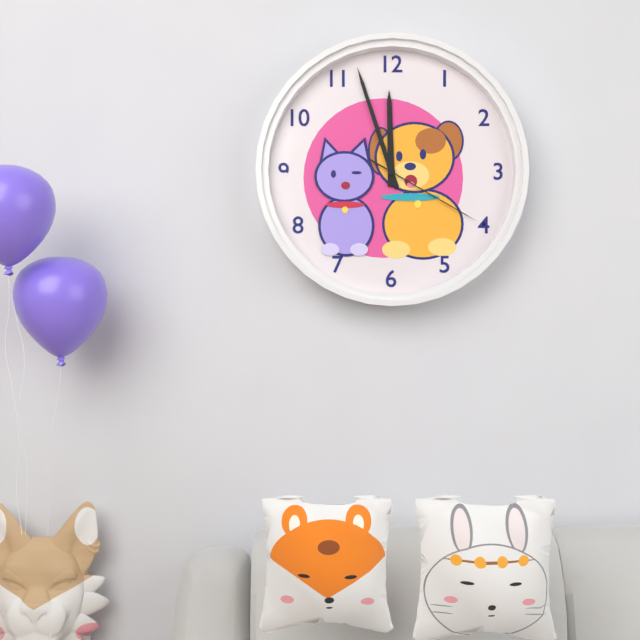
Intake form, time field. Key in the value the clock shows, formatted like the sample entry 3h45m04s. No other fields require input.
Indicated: 11h57m20s
